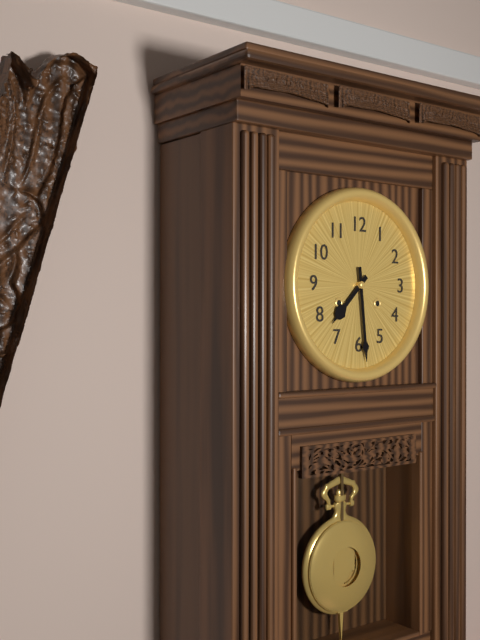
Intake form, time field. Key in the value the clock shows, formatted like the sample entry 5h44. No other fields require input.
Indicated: 7h29
